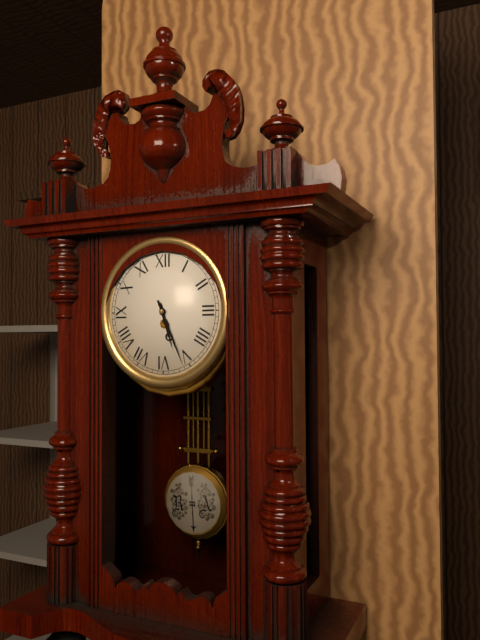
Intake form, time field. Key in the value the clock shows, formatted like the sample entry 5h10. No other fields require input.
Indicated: 5h26
